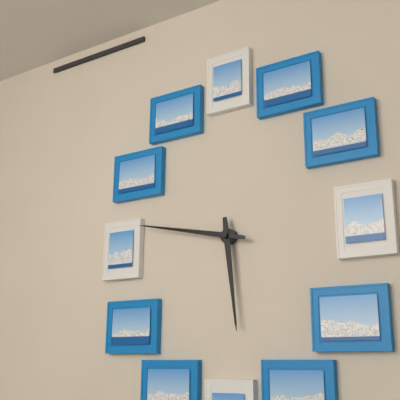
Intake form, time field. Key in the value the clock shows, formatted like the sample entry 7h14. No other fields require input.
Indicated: 5h47
